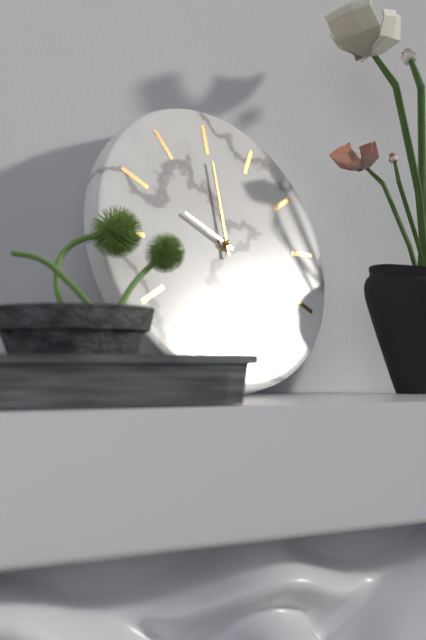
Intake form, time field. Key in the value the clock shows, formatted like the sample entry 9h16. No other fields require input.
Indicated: 10h00
